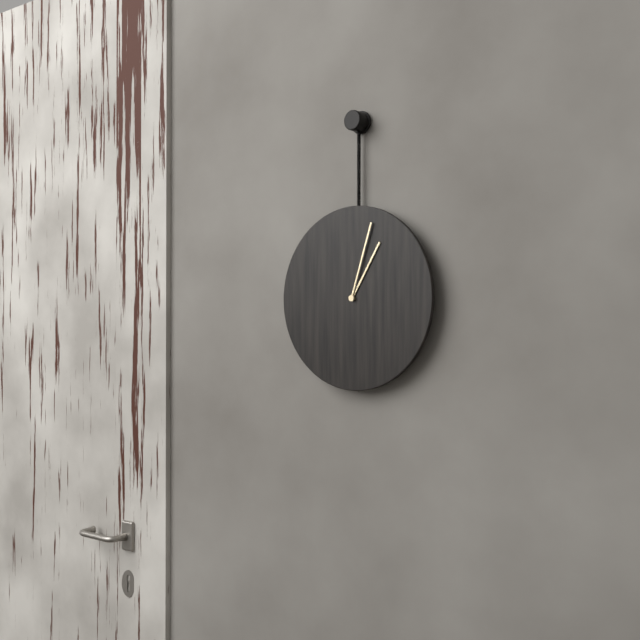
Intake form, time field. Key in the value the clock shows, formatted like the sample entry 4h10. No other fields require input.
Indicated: 1h03
